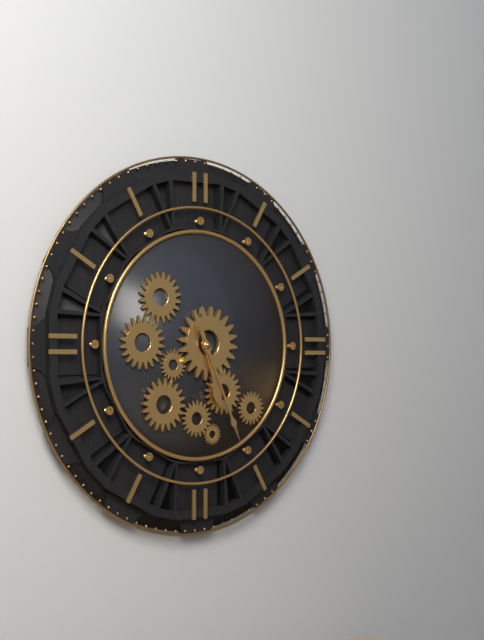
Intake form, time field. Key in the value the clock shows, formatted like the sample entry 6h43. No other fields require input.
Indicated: 5h26
